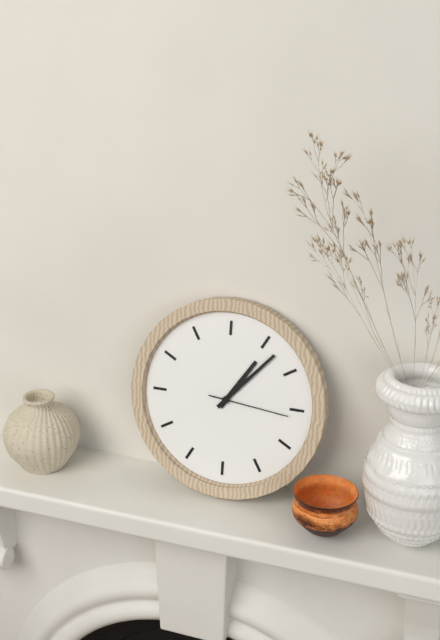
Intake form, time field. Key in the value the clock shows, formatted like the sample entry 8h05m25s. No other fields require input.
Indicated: 1h07m16s
